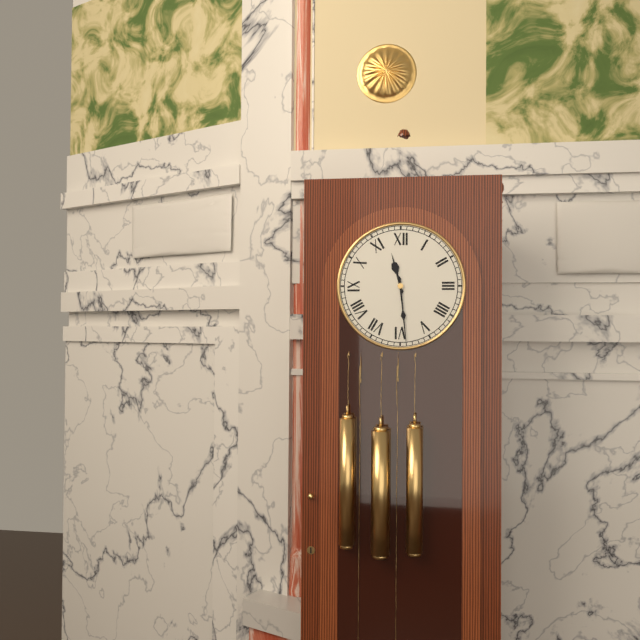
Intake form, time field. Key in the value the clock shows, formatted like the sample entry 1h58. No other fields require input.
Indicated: 11h29
